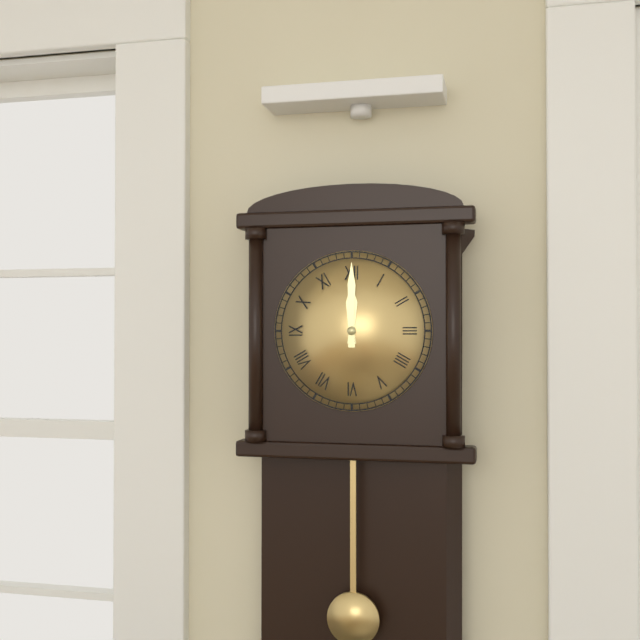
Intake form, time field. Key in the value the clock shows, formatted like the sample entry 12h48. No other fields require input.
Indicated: 12h00
